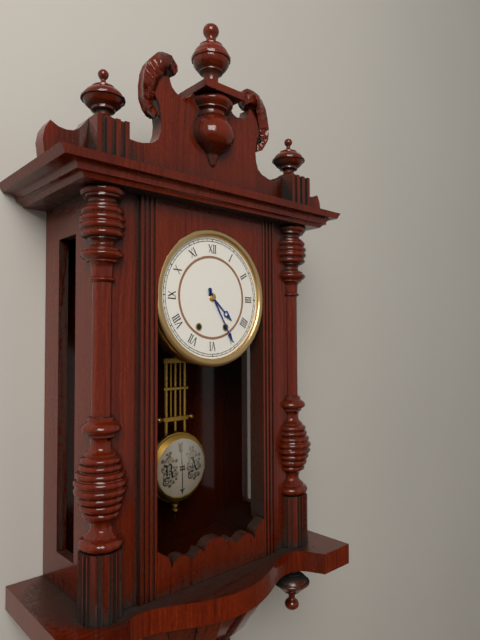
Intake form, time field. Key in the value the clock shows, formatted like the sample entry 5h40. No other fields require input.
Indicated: 4h25
